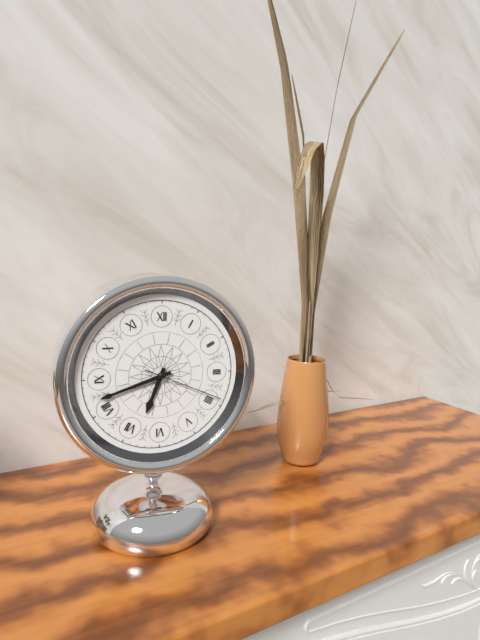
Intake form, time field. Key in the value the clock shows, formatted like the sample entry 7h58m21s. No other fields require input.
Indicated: 6h42m19s
